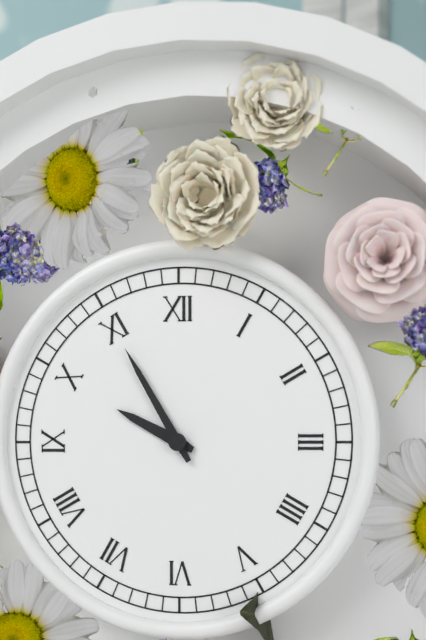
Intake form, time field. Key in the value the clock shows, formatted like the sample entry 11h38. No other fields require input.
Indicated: 9h55
